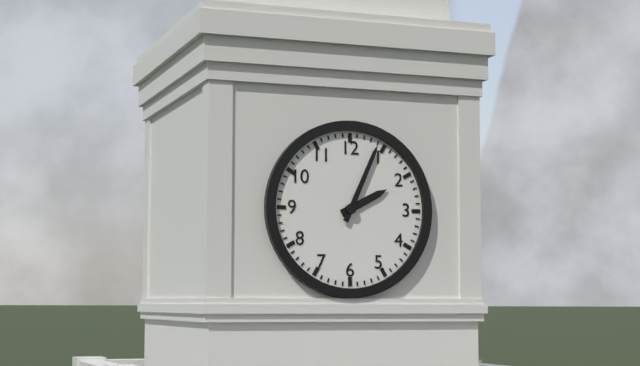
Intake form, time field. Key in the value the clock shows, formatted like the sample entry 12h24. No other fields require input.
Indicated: 2h04
